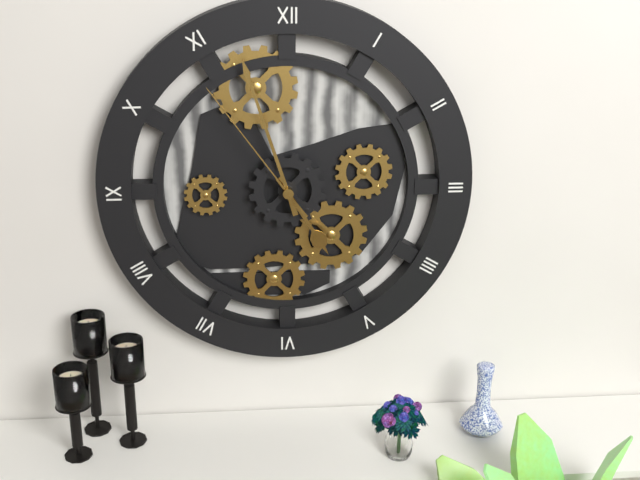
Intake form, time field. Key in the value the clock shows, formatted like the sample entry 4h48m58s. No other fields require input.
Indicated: 4h57m54s
